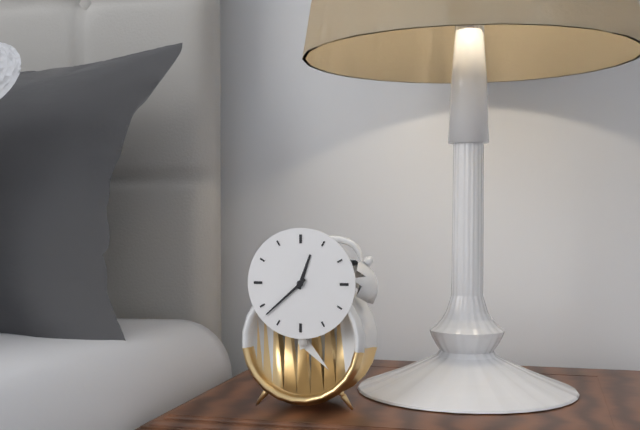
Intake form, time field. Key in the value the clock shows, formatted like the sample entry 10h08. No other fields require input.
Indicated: 12h38
